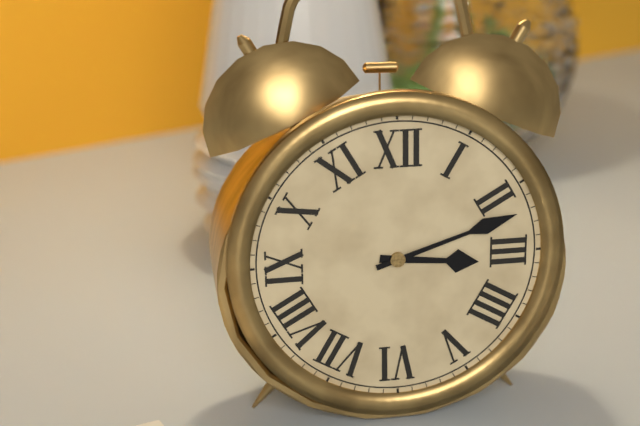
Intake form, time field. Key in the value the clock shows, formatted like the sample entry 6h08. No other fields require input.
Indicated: 3h12
